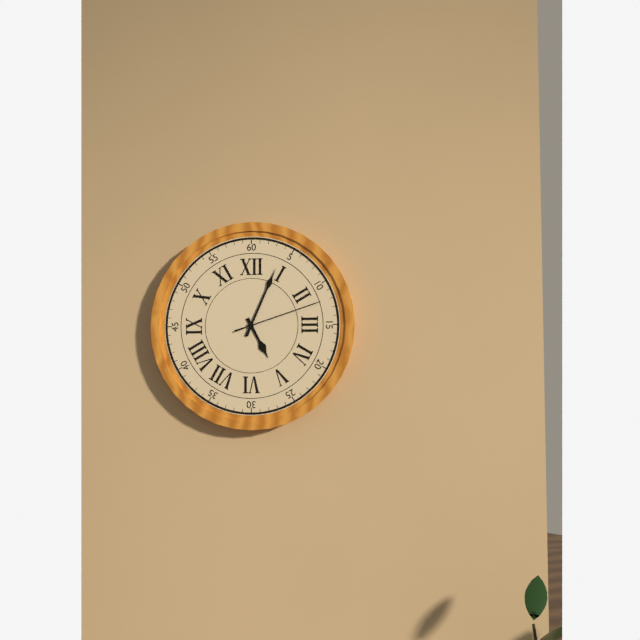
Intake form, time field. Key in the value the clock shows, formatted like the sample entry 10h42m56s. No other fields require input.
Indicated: 5h04m12s
